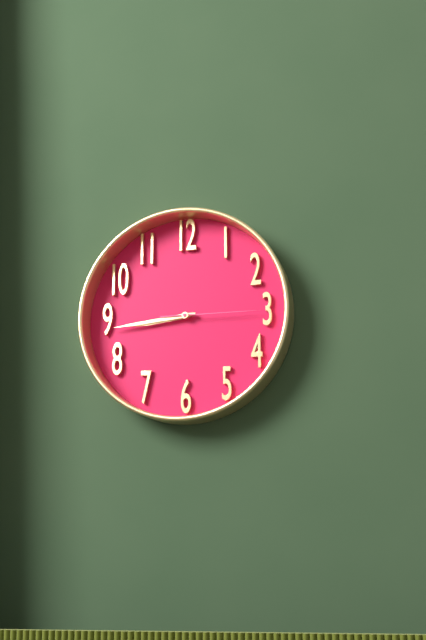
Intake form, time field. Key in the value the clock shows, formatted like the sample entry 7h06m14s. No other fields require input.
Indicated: 8h44m15s
